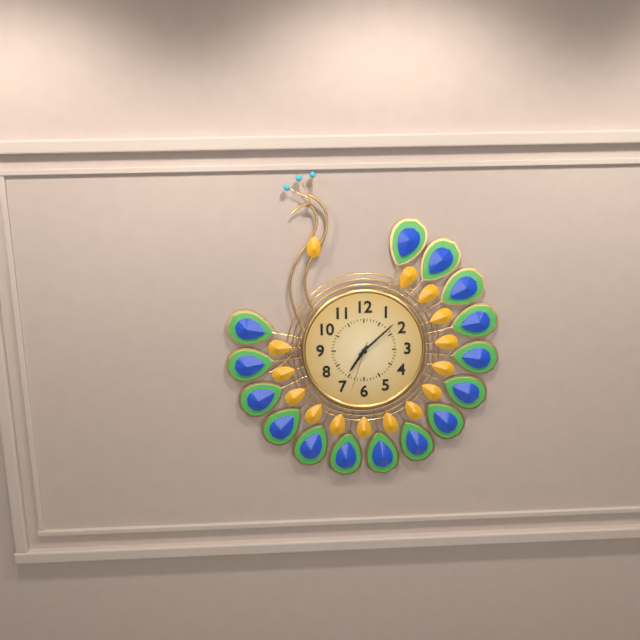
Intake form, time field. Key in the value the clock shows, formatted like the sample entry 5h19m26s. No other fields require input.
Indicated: 7h08m33s
